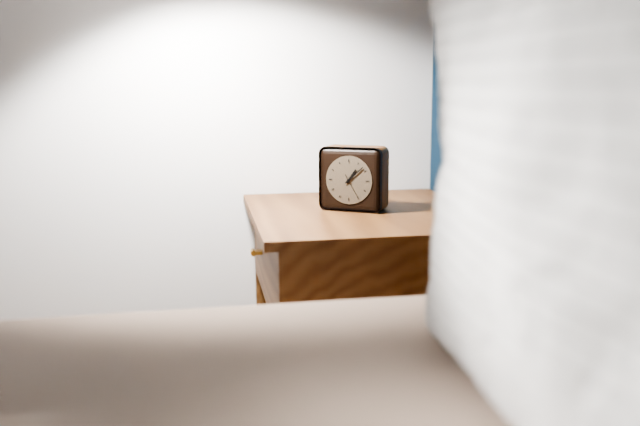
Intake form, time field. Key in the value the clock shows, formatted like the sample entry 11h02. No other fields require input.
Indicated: 1h08
